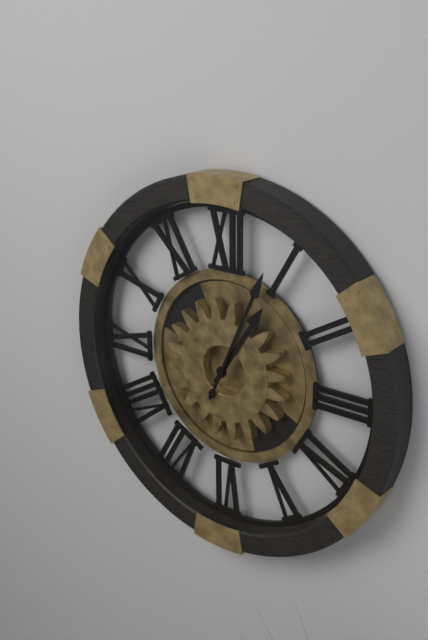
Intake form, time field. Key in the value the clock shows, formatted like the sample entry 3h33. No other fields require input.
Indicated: 1h04
